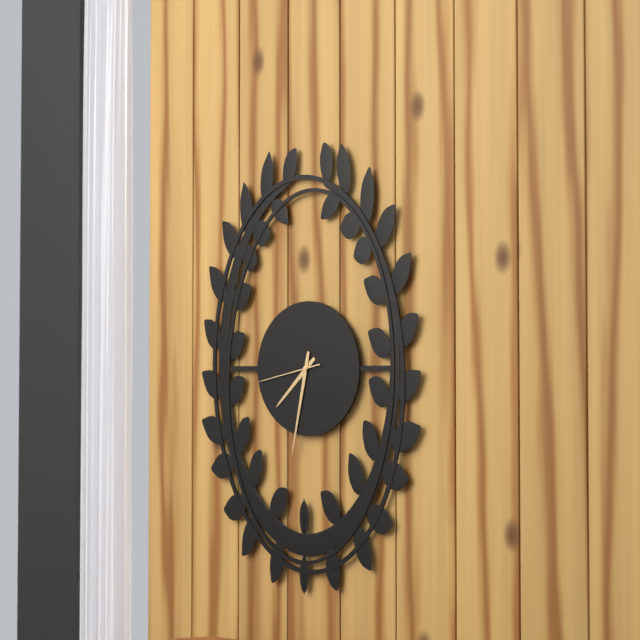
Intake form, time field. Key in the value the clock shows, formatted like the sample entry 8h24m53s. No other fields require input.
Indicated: 7h32m43s
